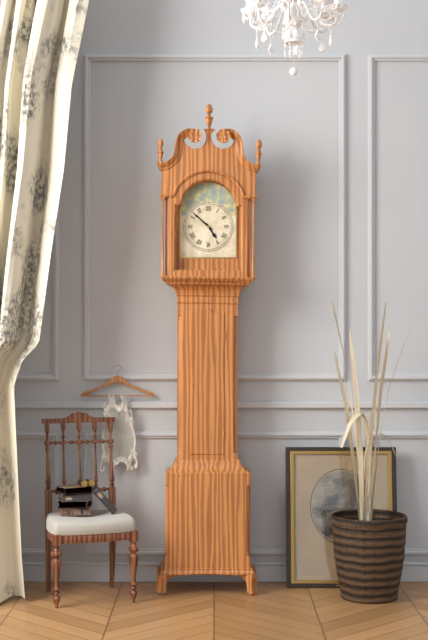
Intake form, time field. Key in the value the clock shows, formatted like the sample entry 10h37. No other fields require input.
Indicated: 4h52
